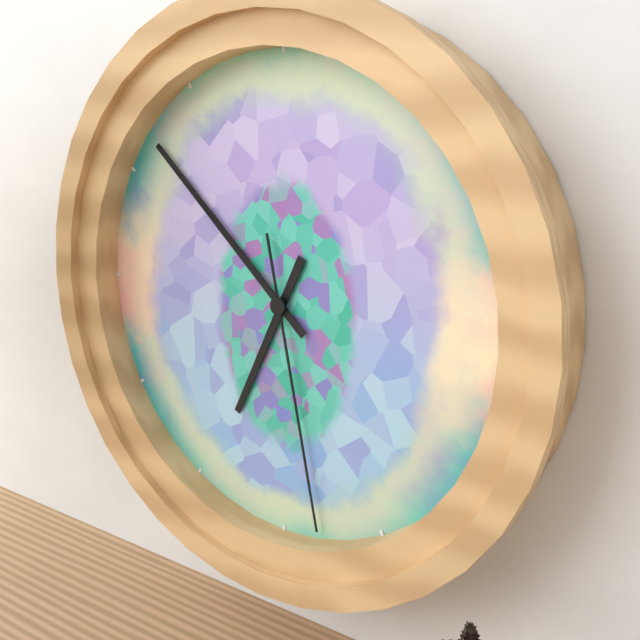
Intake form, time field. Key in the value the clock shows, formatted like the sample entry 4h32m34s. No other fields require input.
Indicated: 6h52m28s
